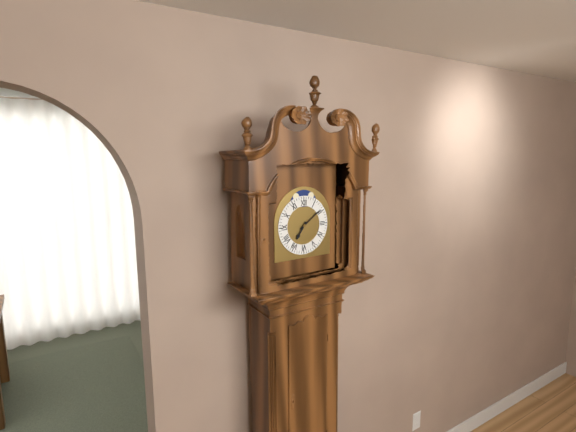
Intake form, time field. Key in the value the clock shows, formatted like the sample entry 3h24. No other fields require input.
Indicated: 7h09
